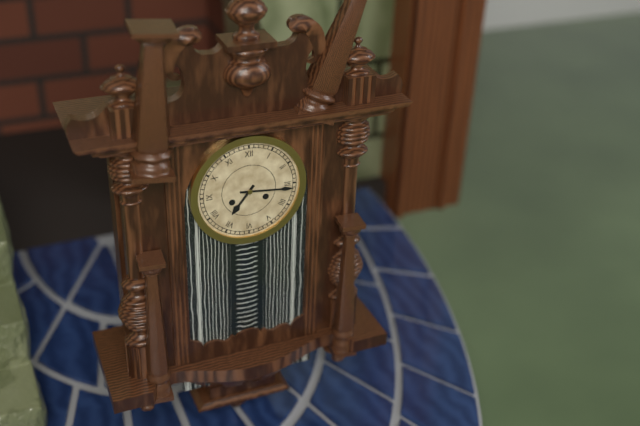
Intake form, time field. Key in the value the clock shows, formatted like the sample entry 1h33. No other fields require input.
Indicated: 7h16
